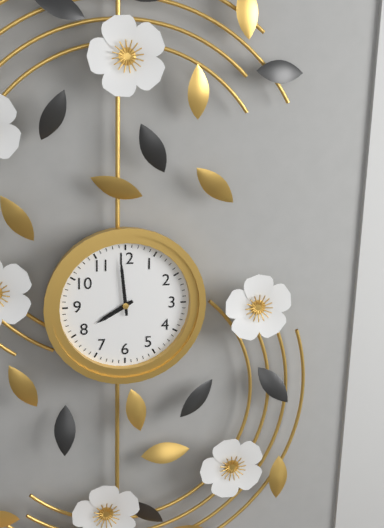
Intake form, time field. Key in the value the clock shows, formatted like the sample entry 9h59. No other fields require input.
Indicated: 7h59
